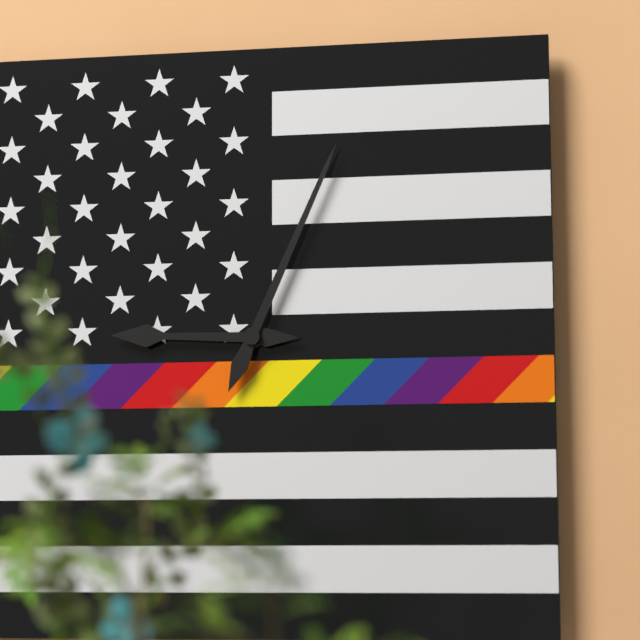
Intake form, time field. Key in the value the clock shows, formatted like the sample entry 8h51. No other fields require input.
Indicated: 9h04
